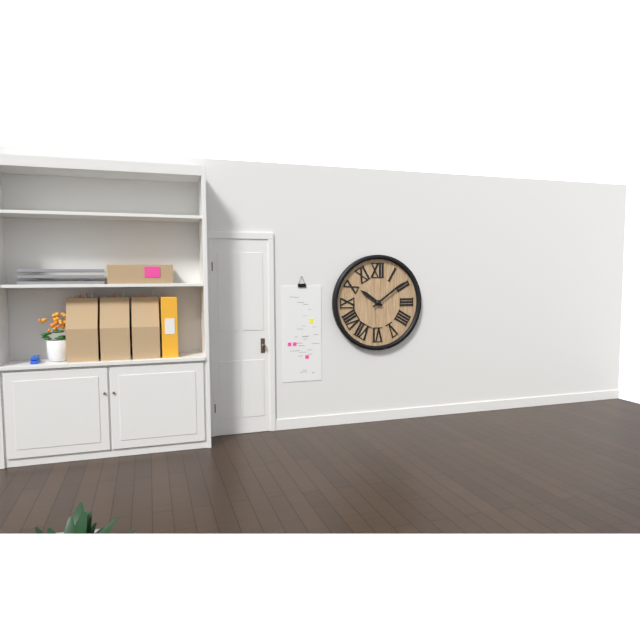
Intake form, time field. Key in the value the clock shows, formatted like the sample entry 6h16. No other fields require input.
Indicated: 10h09
